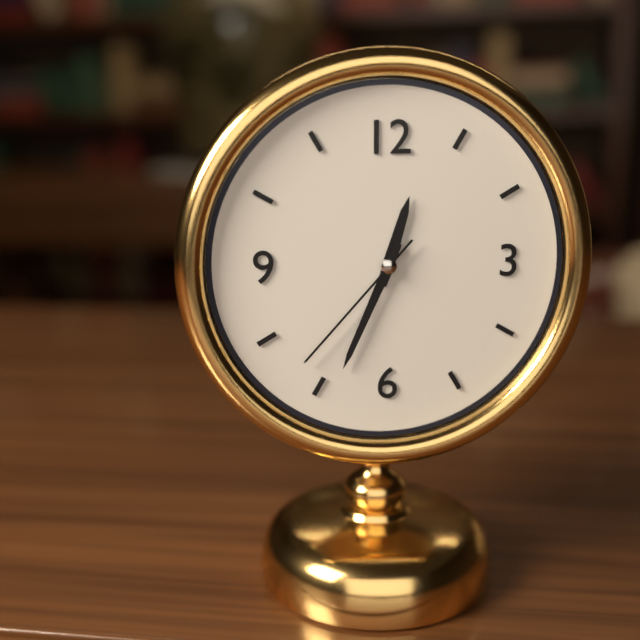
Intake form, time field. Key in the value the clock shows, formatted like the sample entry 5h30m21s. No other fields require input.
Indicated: 12h34m37s
